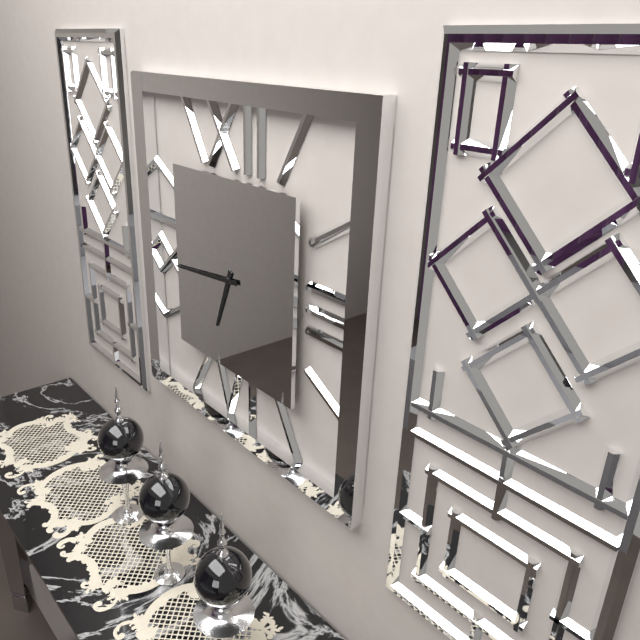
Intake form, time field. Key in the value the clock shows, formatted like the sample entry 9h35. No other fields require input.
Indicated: 6h44
